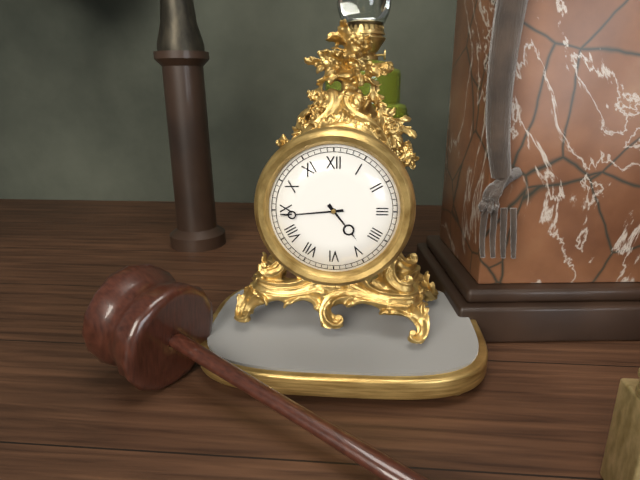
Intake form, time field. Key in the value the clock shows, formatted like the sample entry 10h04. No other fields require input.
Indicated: 4h44
